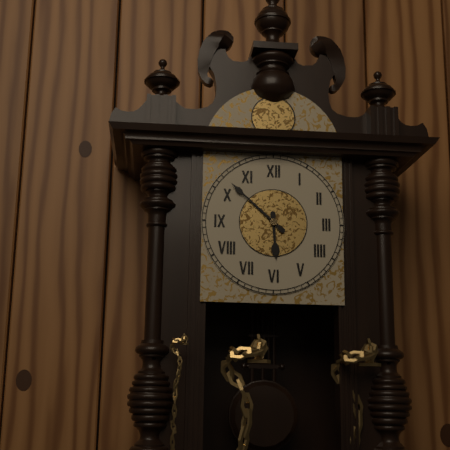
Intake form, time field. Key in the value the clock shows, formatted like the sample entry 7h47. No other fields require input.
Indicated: 5h52
